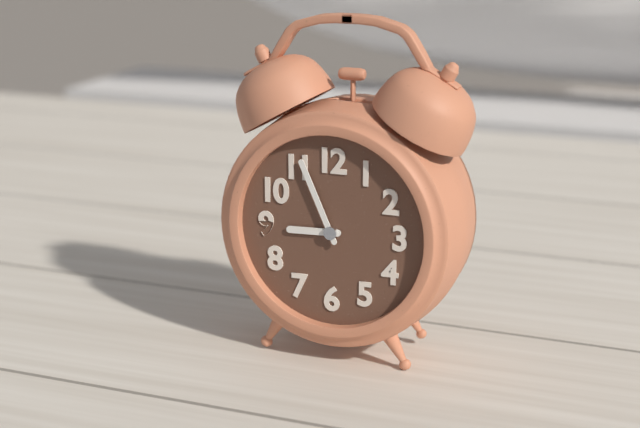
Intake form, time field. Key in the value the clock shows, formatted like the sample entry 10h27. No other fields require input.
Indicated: 8h56
